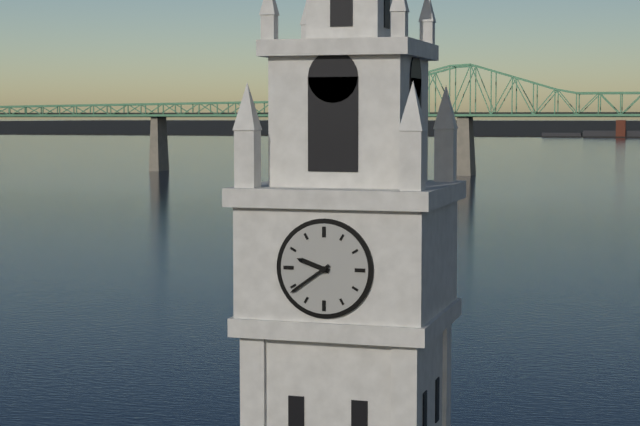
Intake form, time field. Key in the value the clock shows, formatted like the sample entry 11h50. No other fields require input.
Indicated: 9h39
